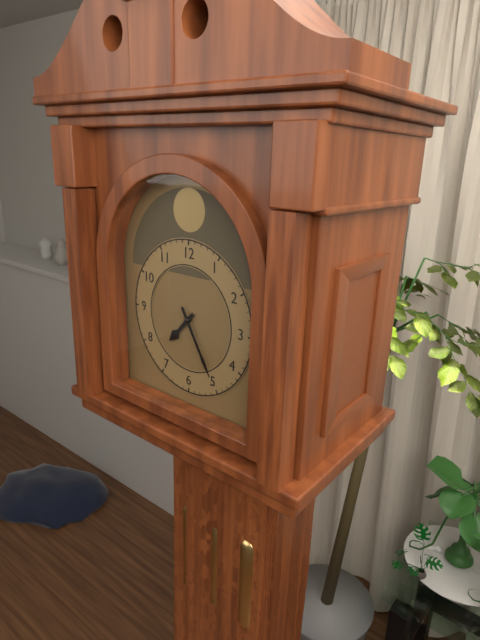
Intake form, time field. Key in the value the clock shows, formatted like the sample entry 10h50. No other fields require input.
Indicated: 7h25
